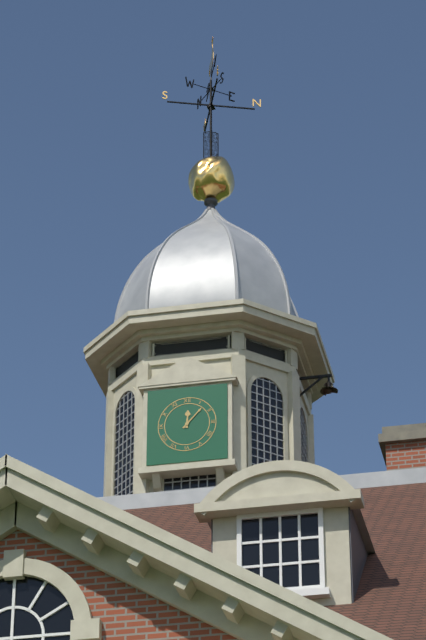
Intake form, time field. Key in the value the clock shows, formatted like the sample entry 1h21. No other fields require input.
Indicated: 12h07
